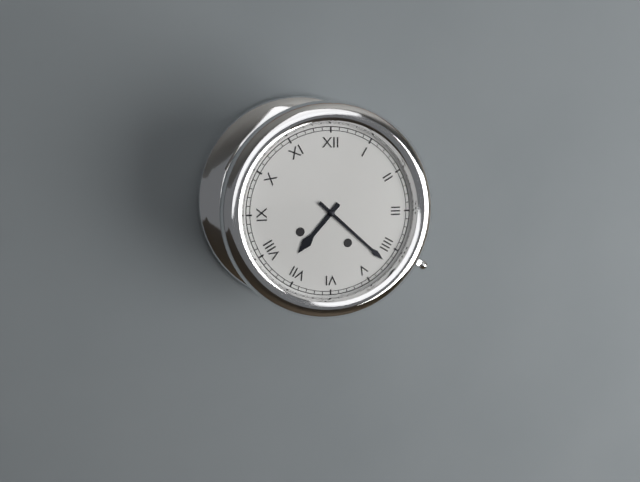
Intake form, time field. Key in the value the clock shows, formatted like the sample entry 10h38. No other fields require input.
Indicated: 7h22
